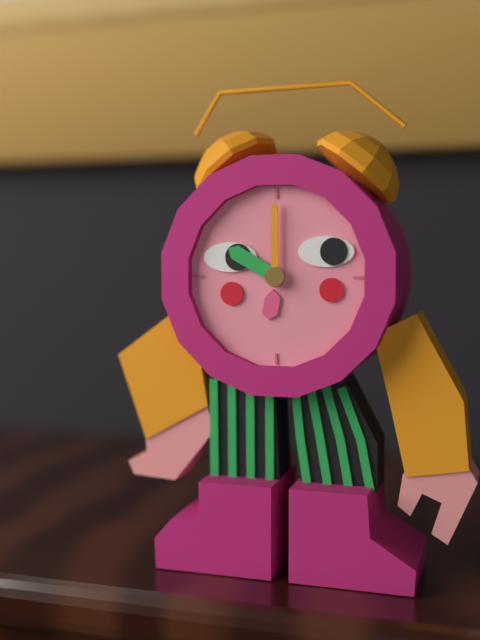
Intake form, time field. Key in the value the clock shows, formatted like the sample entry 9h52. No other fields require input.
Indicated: 10h00
